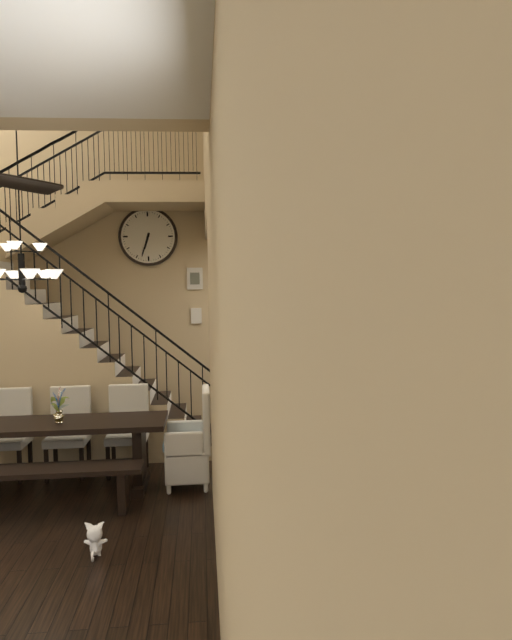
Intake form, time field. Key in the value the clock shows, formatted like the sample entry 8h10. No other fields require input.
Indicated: 6h33
